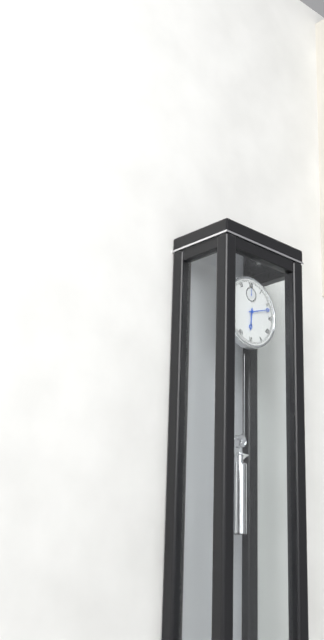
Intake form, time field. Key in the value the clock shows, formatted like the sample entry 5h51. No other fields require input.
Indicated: 6h12
